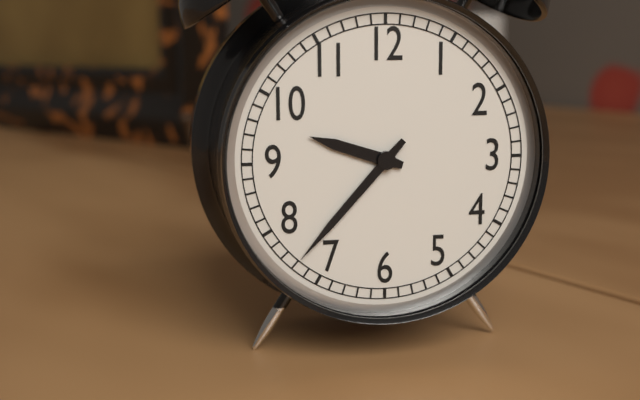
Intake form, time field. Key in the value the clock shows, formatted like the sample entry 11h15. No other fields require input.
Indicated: 9h37
